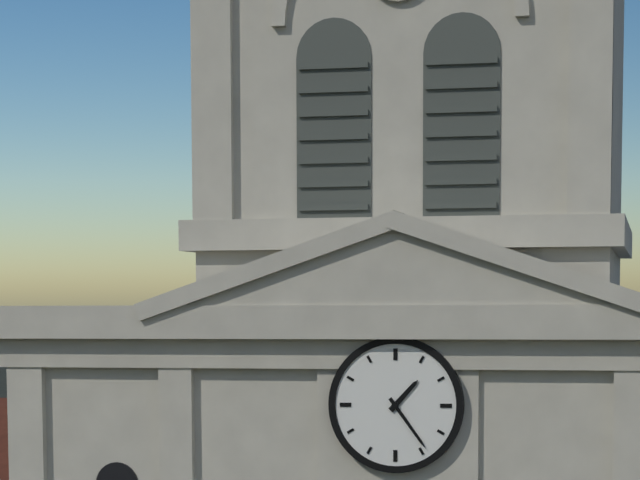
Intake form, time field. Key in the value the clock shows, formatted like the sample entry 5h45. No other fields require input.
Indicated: 1h24
